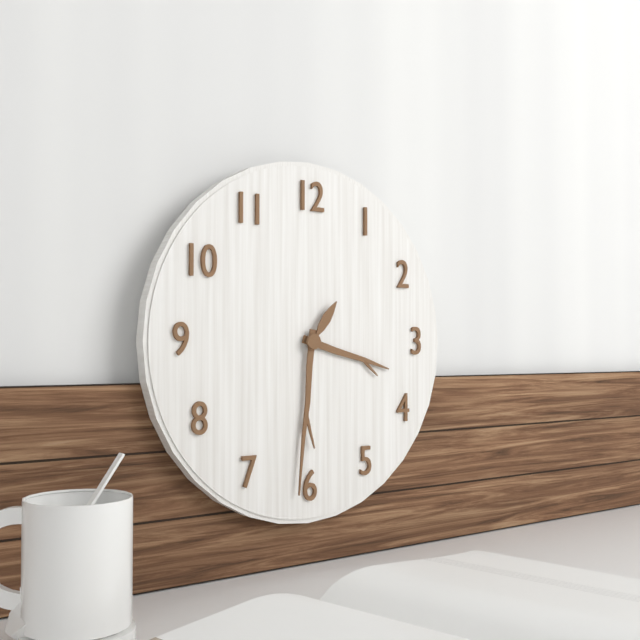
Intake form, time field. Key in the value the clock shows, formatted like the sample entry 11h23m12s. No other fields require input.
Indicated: 3h31m06s
